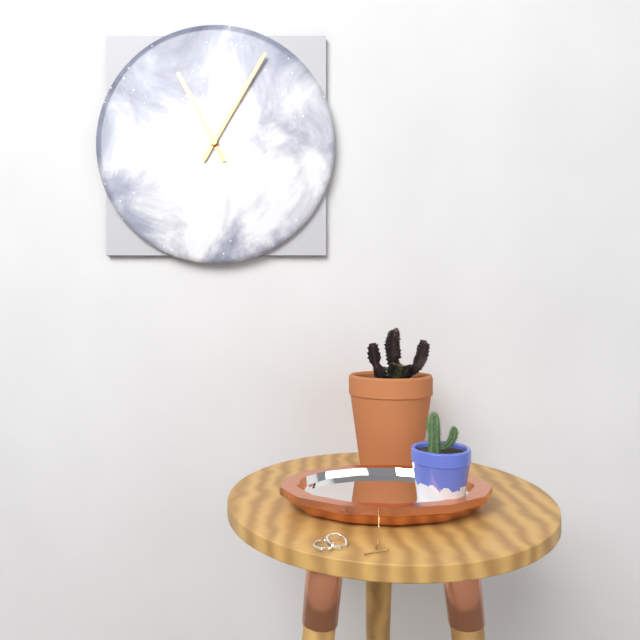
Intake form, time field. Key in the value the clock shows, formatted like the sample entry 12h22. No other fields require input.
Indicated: 11h05
